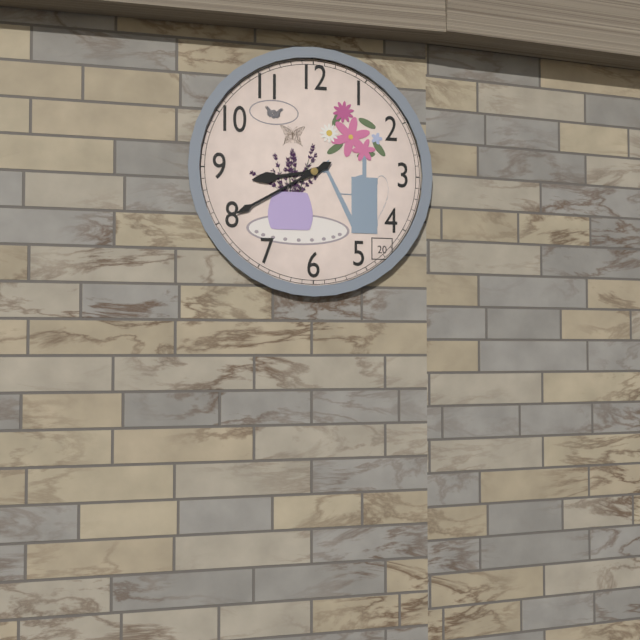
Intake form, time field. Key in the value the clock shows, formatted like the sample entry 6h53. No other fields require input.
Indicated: 8h40
